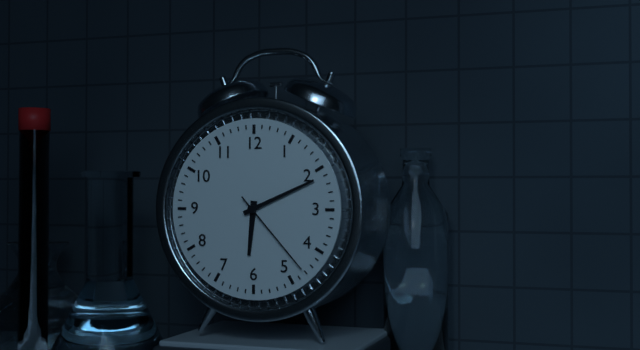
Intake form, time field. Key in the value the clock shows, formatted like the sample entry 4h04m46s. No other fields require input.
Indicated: 6h11m23s
